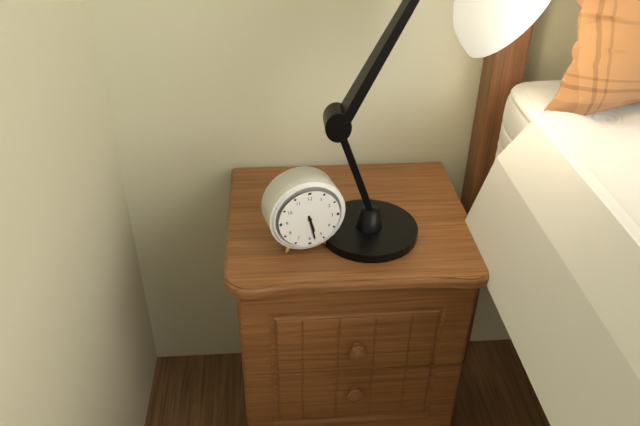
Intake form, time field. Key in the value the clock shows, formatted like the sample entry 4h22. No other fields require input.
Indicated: 5h28
